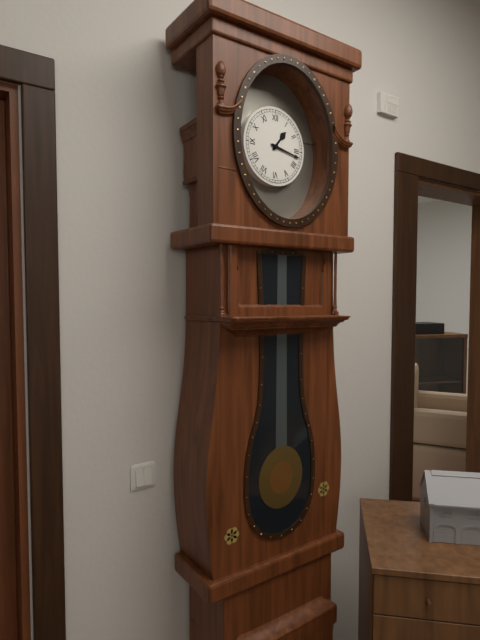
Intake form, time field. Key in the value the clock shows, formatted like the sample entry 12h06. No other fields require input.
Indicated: 1h17
